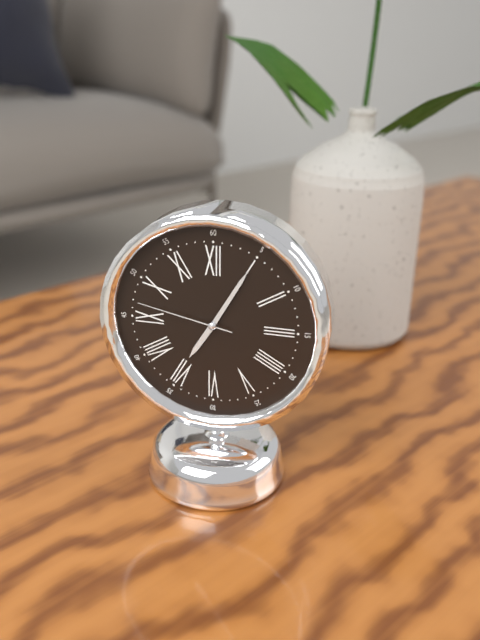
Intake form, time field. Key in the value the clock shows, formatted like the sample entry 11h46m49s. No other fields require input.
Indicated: 7h05m47s
